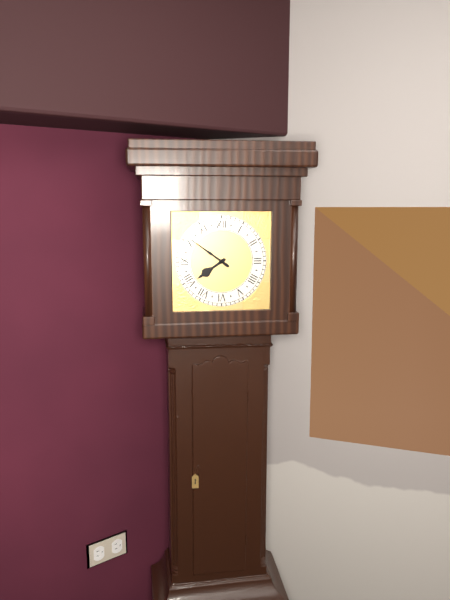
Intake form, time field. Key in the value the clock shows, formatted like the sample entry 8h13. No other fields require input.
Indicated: 7h51
